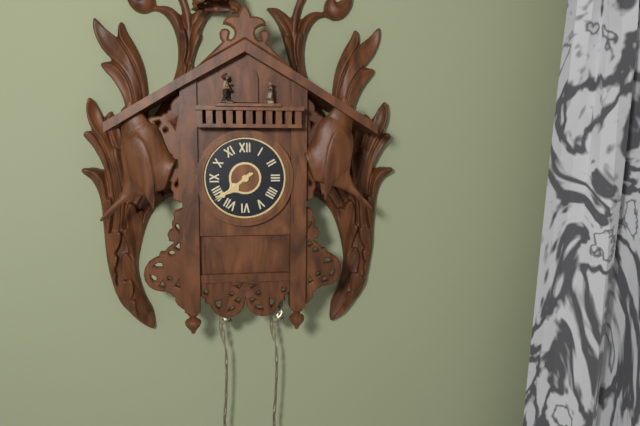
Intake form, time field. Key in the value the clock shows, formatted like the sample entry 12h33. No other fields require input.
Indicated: 7h39
